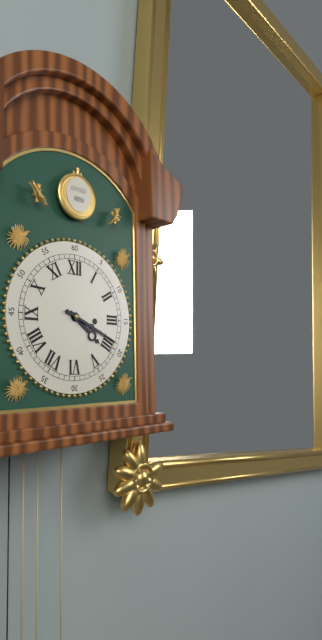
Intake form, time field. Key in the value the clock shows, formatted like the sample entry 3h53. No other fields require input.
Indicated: 4h19
